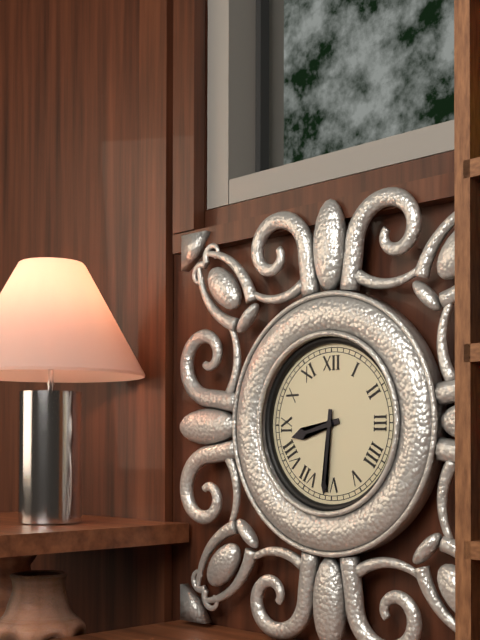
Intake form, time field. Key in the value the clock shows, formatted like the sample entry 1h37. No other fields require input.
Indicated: 8h31
